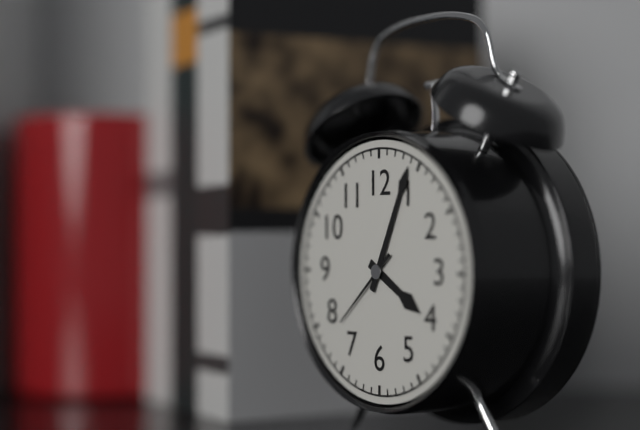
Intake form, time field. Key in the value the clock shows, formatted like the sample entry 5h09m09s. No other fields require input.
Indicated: 4h04m38s
